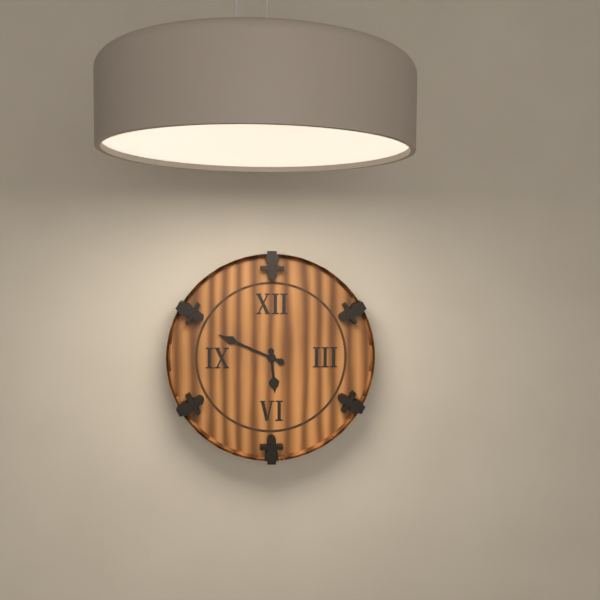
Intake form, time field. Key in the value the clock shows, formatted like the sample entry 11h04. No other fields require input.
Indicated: 5h49
